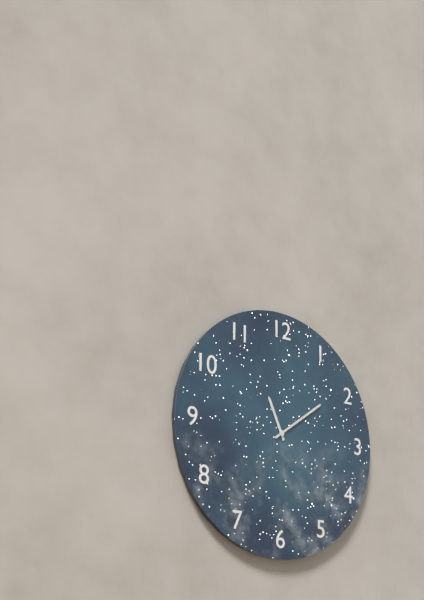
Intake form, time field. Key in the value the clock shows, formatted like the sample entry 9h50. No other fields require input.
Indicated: 11h09
